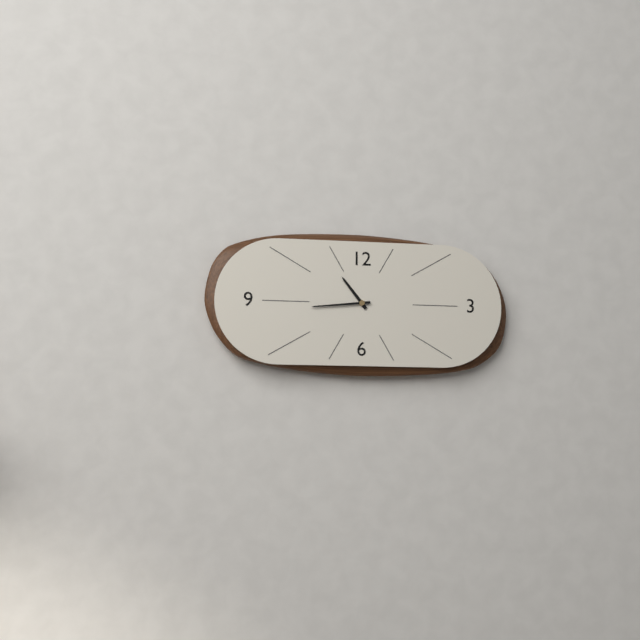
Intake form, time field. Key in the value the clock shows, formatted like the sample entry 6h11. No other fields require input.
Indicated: 10h44
